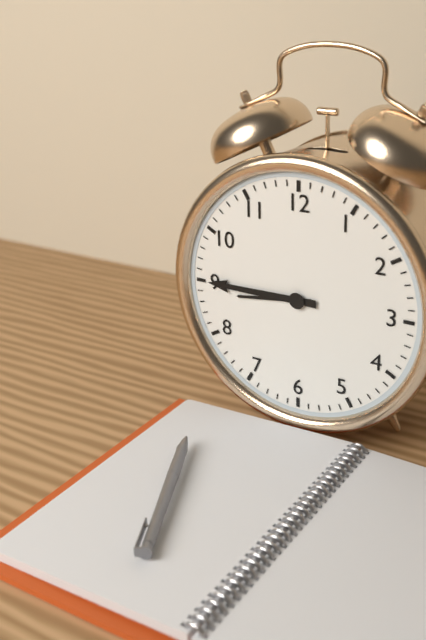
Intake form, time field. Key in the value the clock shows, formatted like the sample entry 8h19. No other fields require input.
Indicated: 8h45
